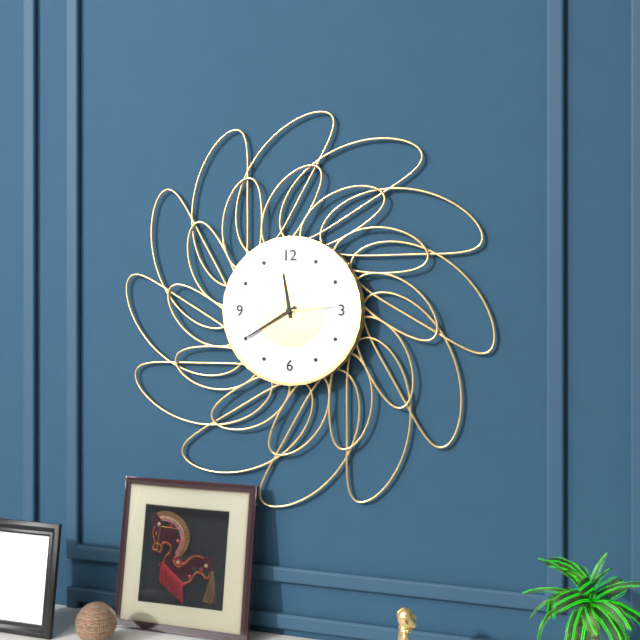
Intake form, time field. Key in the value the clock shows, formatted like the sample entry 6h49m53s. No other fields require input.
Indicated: 11h40m14s
